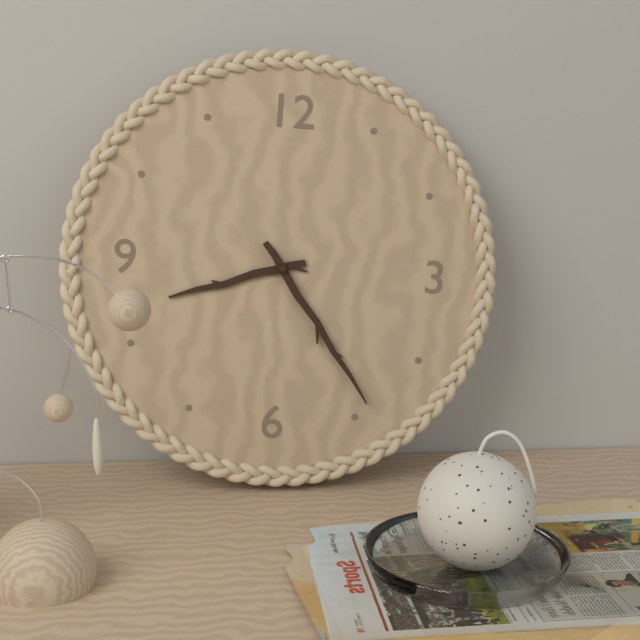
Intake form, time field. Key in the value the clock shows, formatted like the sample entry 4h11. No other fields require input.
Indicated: 8h24
